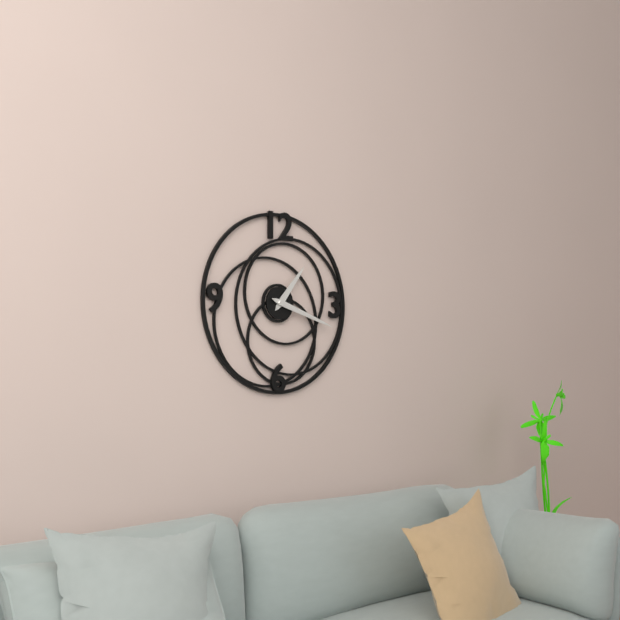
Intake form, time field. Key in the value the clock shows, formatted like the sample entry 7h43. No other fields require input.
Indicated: 1h18
